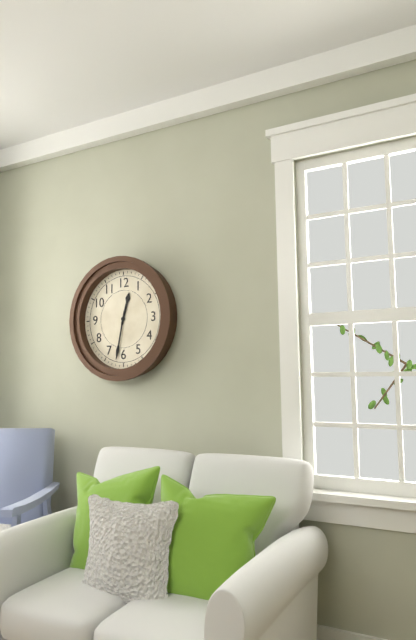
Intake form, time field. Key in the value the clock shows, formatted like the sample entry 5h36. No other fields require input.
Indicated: 12h32
